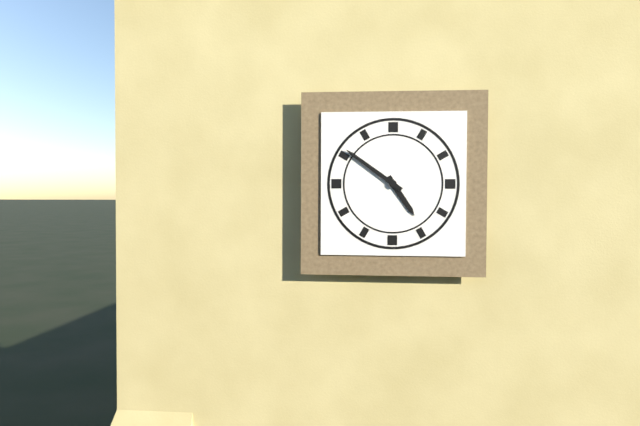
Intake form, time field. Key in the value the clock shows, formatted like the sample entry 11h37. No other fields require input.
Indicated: 4h51
